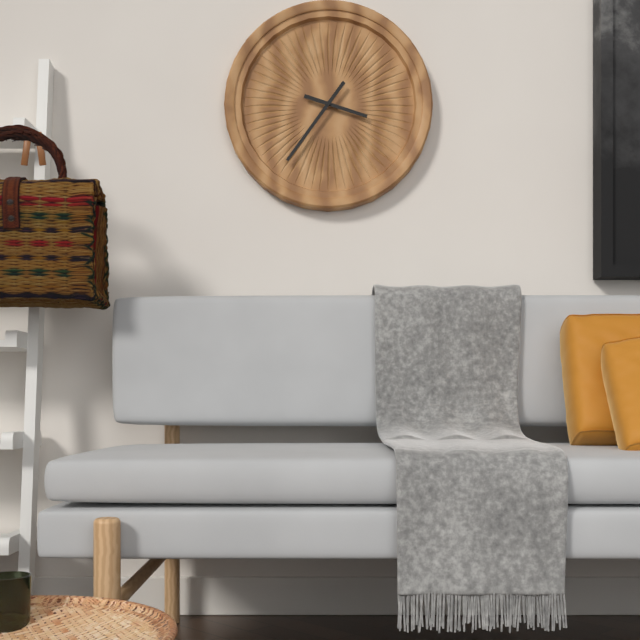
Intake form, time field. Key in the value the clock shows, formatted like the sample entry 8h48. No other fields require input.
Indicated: 3h36
